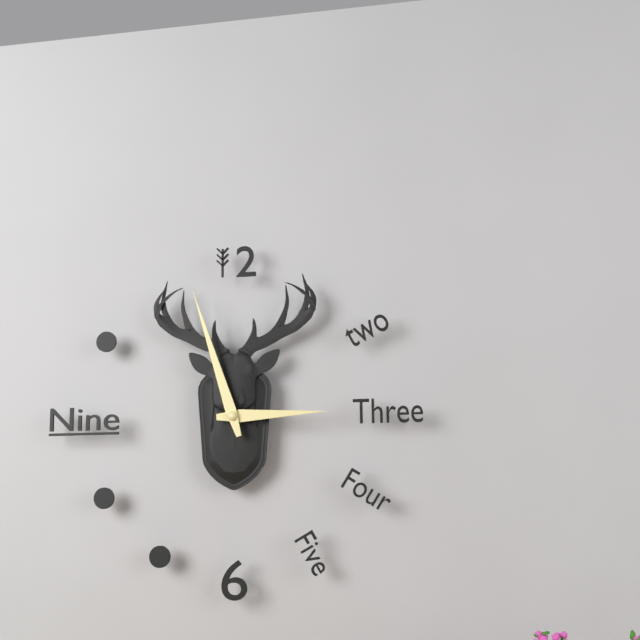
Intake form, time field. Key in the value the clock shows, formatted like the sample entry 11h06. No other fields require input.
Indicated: 2h57
